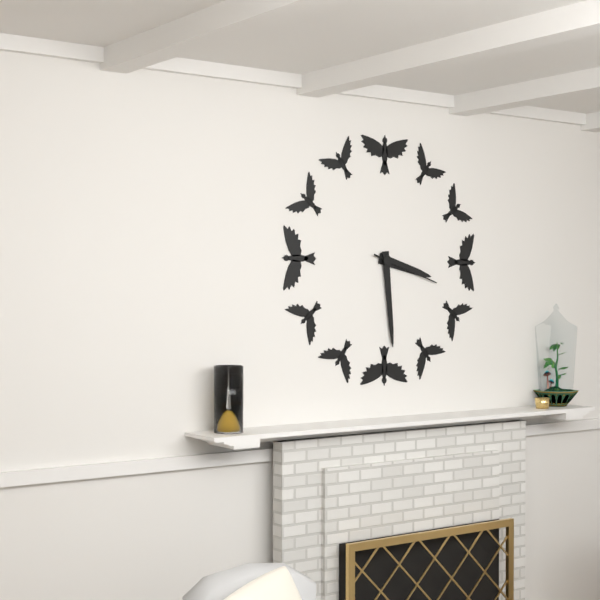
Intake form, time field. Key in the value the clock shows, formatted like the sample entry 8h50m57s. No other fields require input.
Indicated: 3h29m18s
